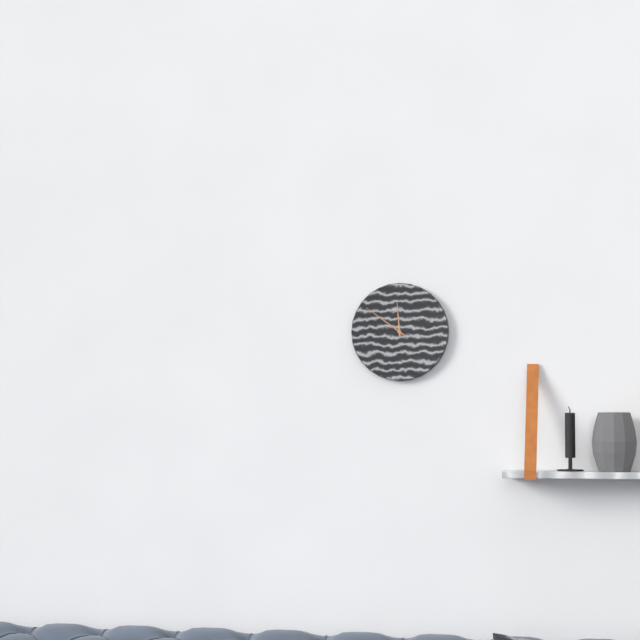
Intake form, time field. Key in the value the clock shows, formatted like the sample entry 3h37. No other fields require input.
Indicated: 11h51
